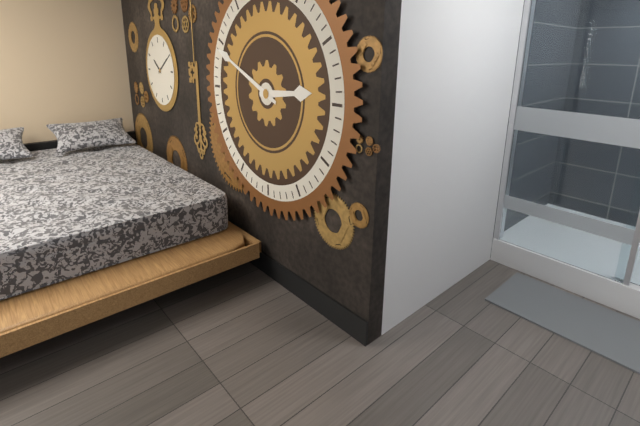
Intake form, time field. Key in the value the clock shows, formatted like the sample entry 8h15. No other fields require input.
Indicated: 2h49
